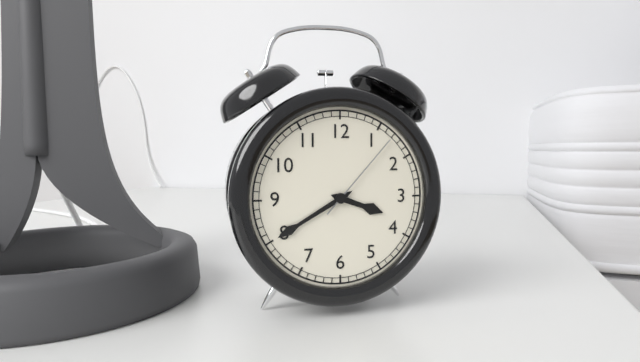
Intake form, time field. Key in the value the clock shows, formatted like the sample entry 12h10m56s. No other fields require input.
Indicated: 3h40m07s
